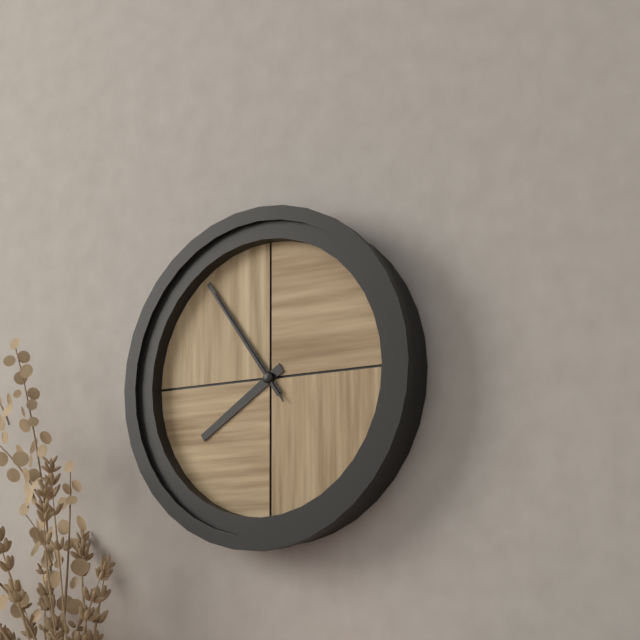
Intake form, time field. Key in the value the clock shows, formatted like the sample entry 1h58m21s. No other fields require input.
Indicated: 7h54m54s
